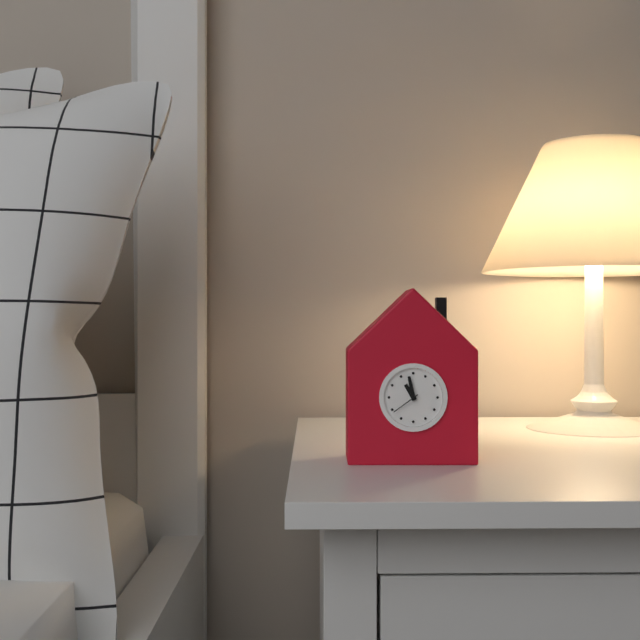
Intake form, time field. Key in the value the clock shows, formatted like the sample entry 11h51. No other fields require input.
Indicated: 10h58
